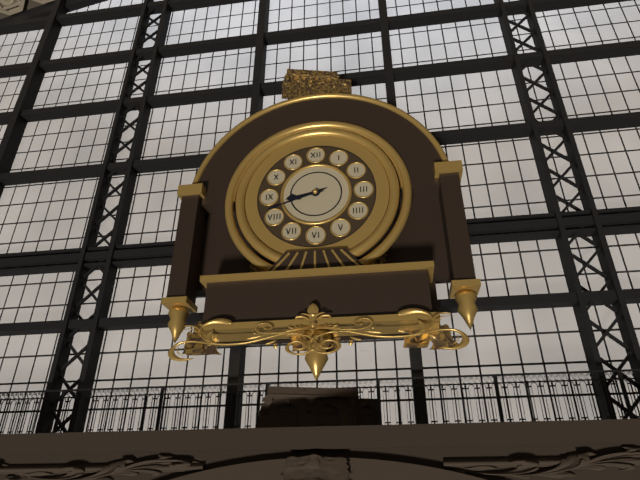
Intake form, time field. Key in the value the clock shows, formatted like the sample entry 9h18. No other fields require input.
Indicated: 8h42
